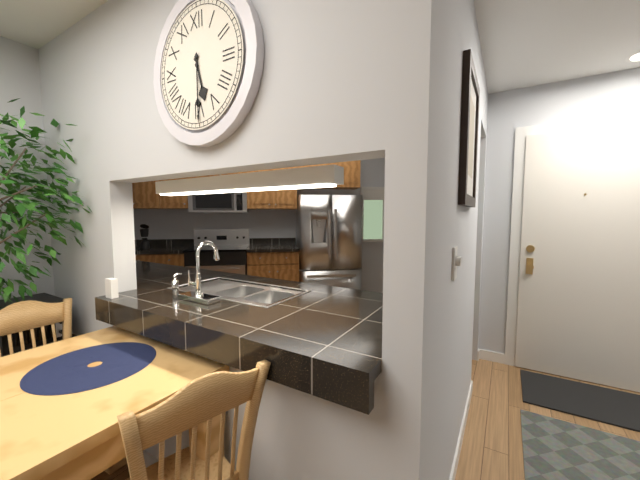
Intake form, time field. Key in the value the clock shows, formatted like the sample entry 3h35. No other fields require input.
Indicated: 5h30
